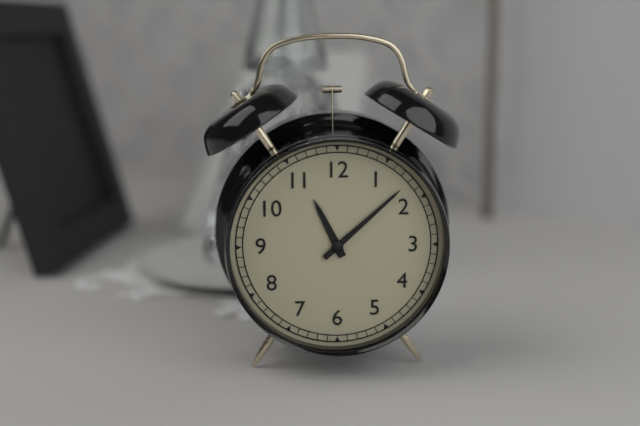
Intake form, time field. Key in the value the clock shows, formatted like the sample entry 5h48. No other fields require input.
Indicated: 11h08
